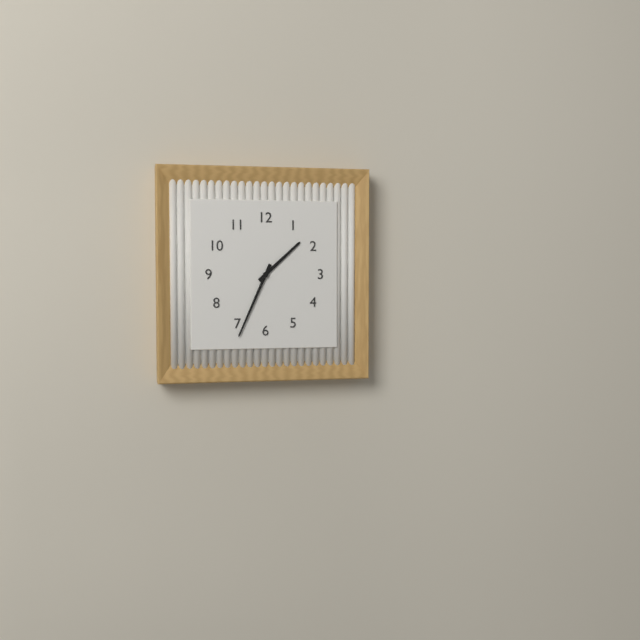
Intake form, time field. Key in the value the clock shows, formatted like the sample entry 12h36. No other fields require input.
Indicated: 1h34
